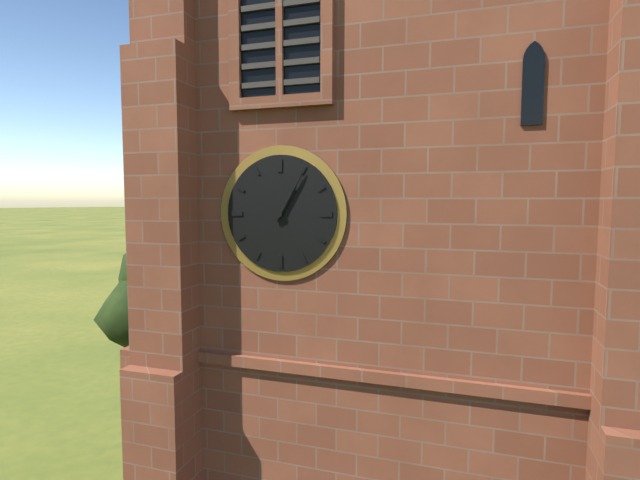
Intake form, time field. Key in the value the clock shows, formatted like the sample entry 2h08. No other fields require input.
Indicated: 1h05
